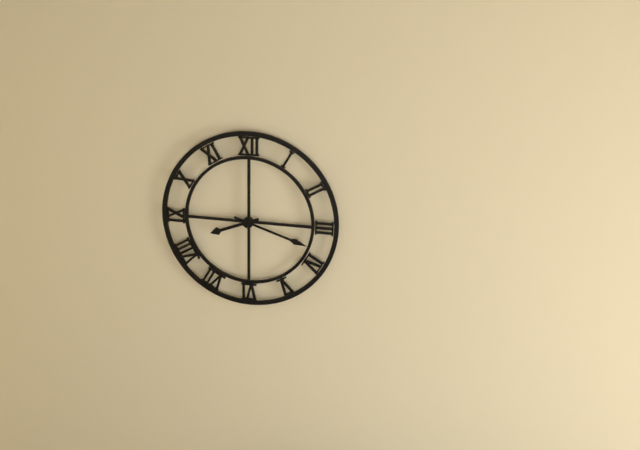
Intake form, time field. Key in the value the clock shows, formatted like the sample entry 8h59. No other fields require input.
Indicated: 8h18
